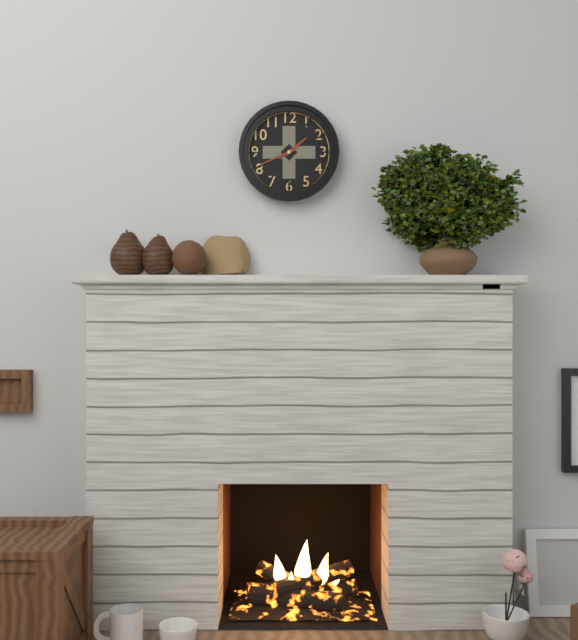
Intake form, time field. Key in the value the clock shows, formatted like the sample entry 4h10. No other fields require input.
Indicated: 1h41
